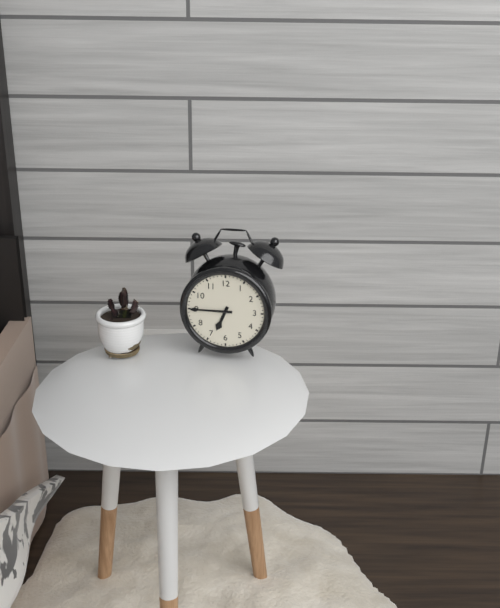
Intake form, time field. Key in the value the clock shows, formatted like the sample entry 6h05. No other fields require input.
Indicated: 6h45
